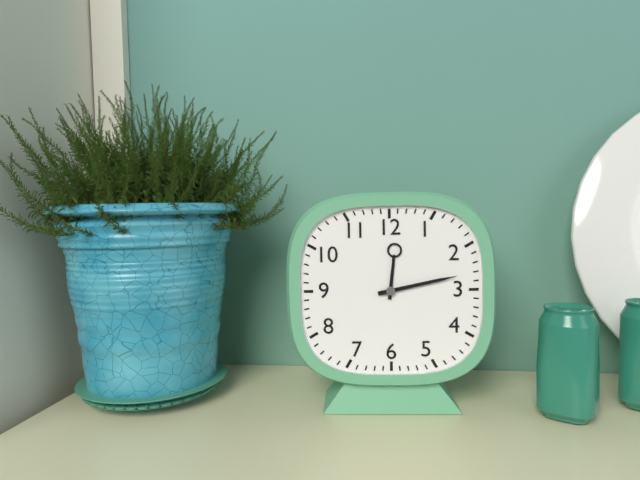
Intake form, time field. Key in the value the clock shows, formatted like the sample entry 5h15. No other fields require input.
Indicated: 12h13
